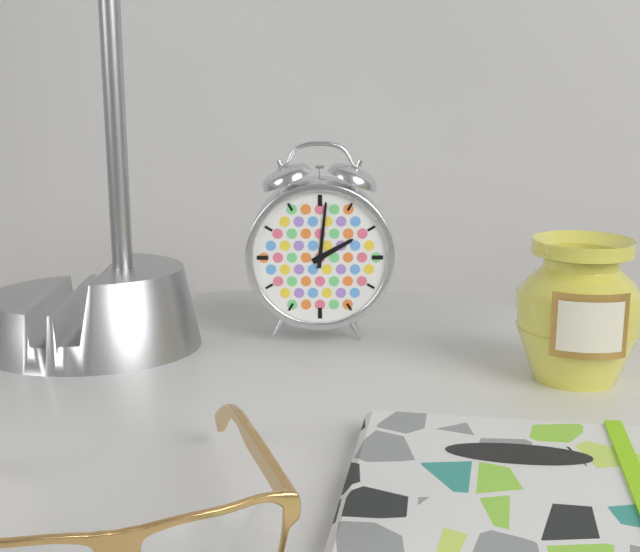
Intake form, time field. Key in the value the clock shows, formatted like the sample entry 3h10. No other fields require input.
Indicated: 2h01
